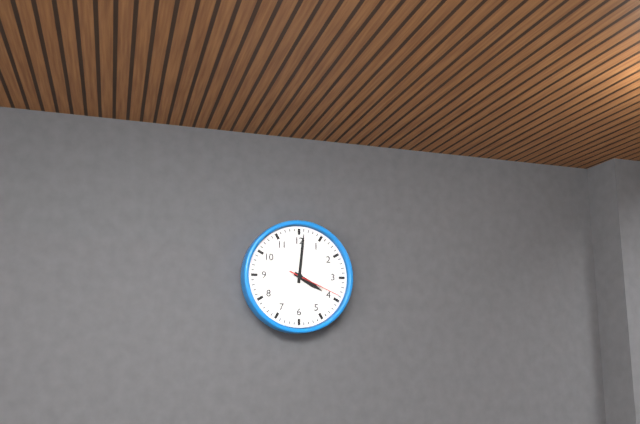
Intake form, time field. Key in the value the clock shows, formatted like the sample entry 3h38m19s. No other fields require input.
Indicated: 4h01m19s
